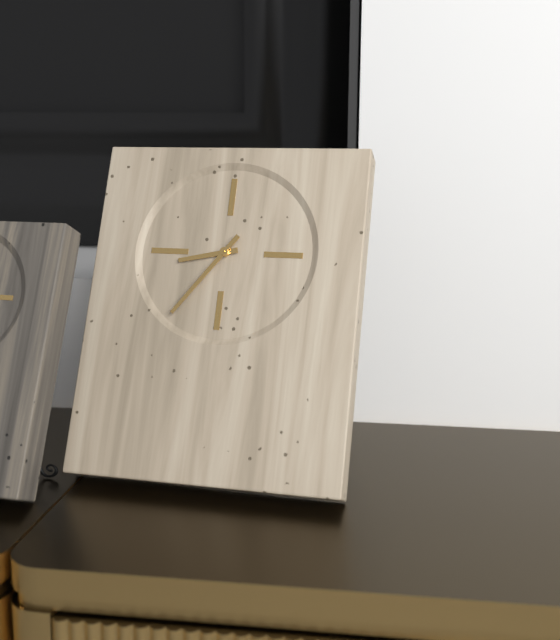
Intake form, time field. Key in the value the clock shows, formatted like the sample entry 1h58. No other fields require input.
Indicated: 8h36
